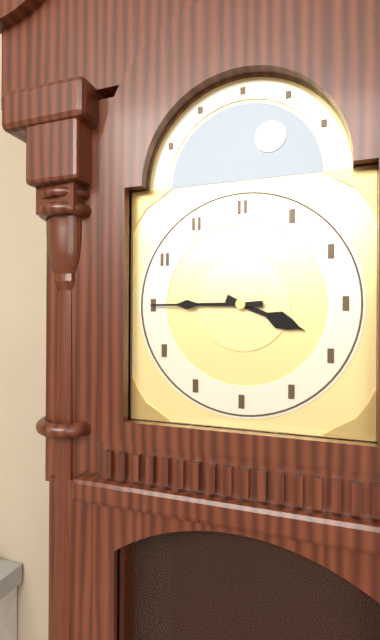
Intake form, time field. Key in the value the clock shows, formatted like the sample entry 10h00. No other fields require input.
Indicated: 3h45
